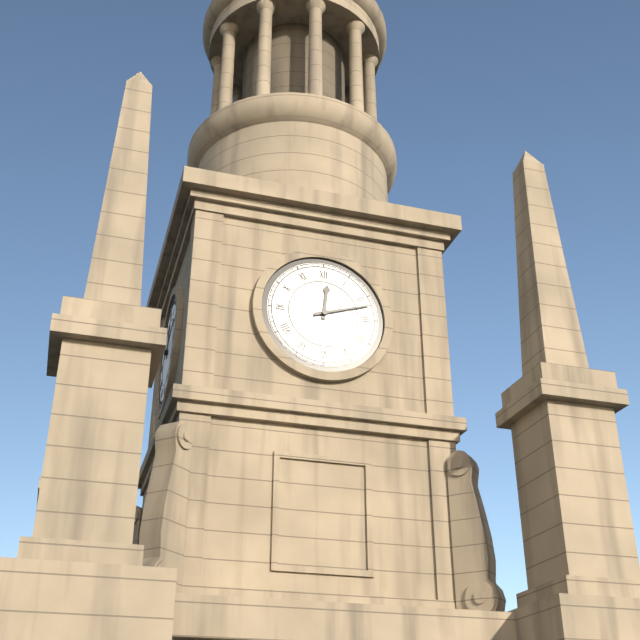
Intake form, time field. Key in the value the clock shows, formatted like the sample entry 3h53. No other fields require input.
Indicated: 12h12
